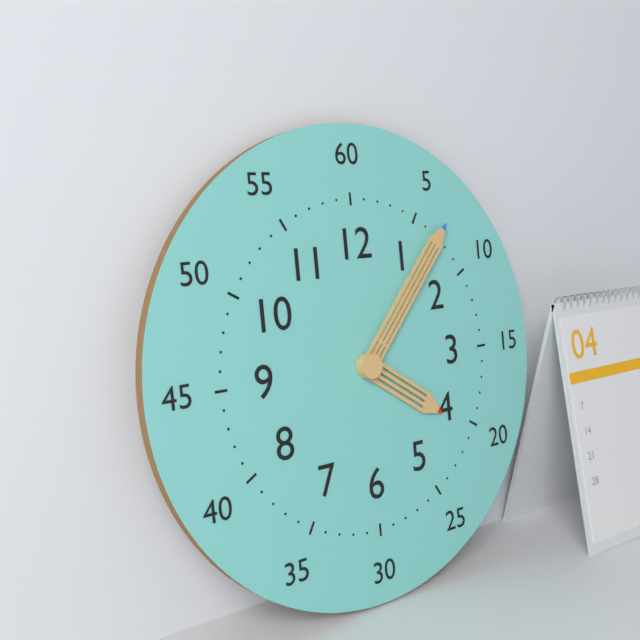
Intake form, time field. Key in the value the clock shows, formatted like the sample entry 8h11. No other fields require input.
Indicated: 4h07
